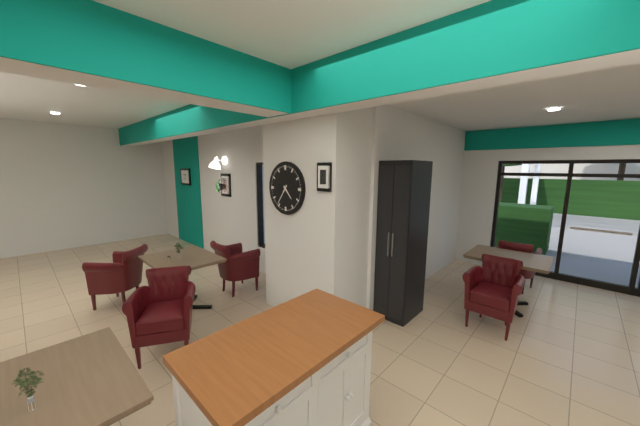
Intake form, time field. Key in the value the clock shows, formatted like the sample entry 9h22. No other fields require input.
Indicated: 4h36
